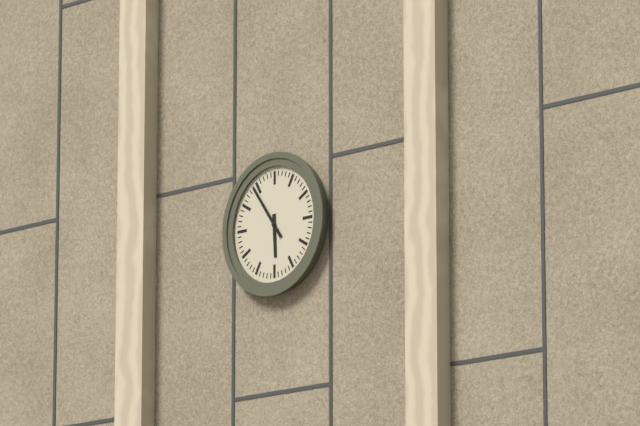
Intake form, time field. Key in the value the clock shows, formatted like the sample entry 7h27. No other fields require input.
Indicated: 5h54
